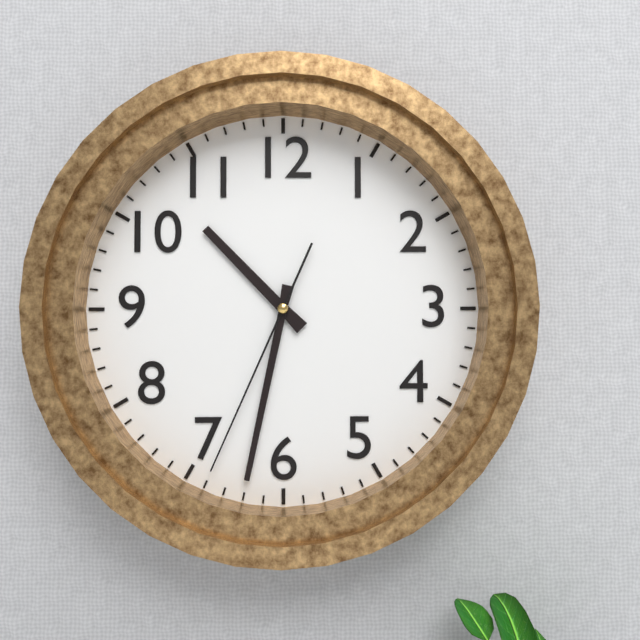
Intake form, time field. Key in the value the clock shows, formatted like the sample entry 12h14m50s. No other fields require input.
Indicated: 10h32m34s
